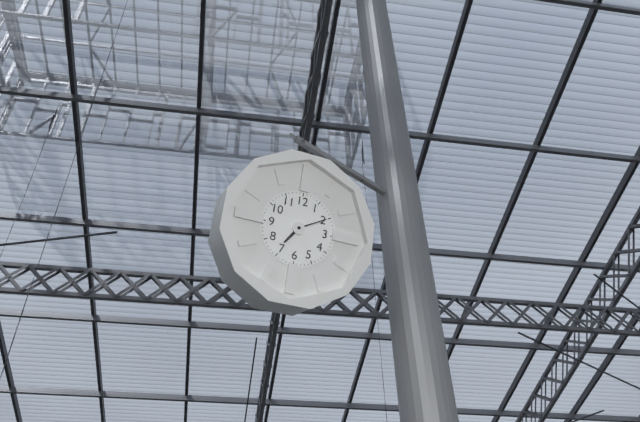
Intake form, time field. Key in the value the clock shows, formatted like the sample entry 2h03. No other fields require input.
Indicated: 7h10
